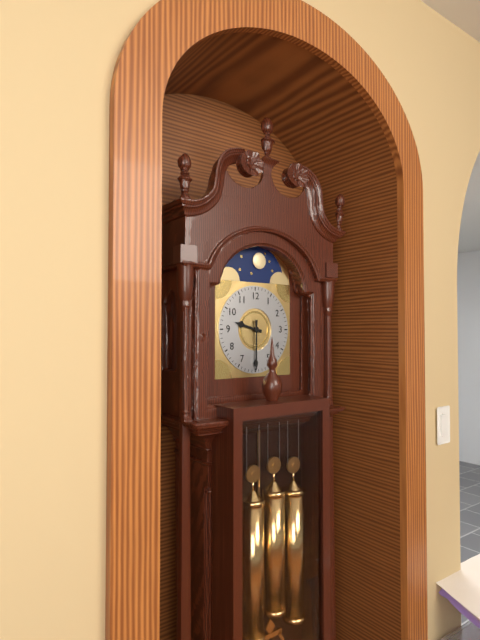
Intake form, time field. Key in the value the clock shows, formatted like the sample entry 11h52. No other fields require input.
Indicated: 9h30
